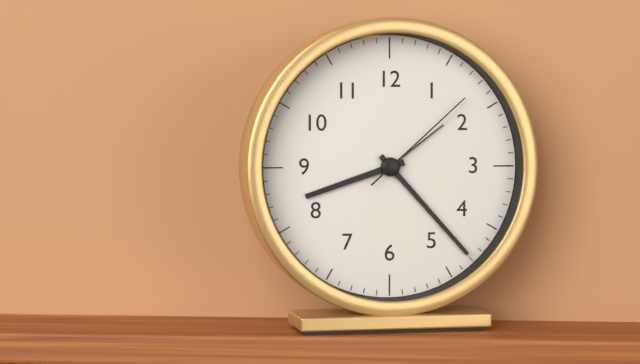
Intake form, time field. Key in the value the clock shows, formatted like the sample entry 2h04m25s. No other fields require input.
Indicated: 8h23m08s
